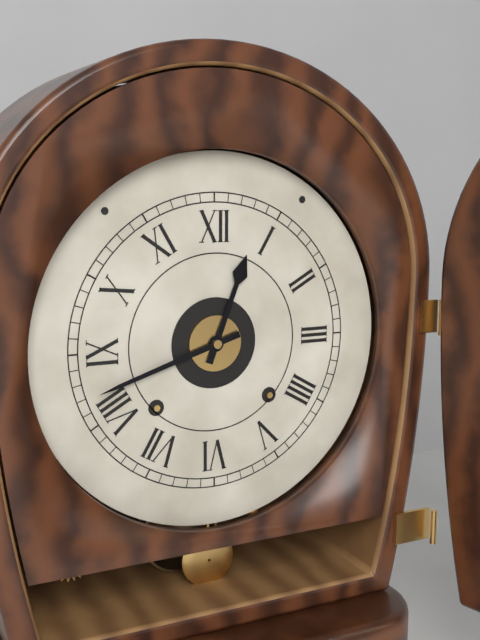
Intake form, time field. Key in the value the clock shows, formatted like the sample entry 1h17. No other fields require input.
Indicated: 12h42
